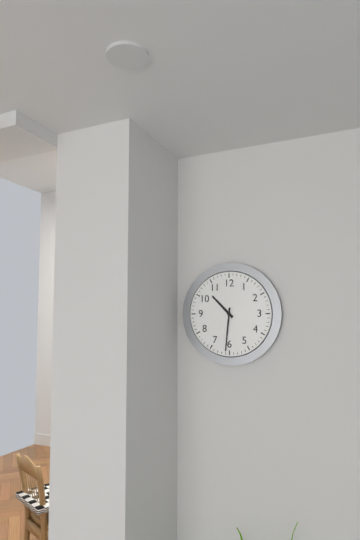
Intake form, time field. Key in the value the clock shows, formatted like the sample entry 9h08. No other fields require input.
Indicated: 10h31
